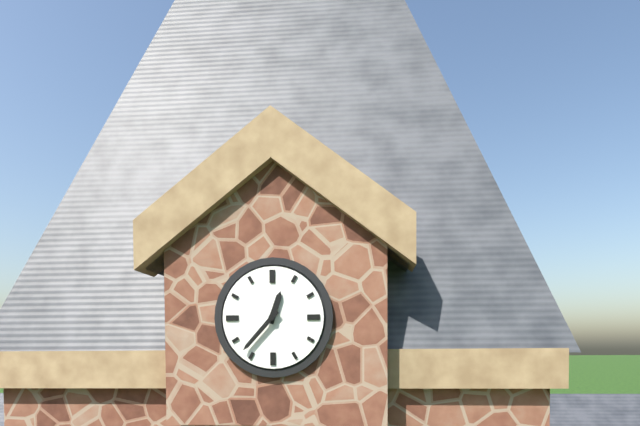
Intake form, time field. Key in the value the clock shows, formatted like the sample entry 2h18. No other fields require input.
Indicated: 12h37
